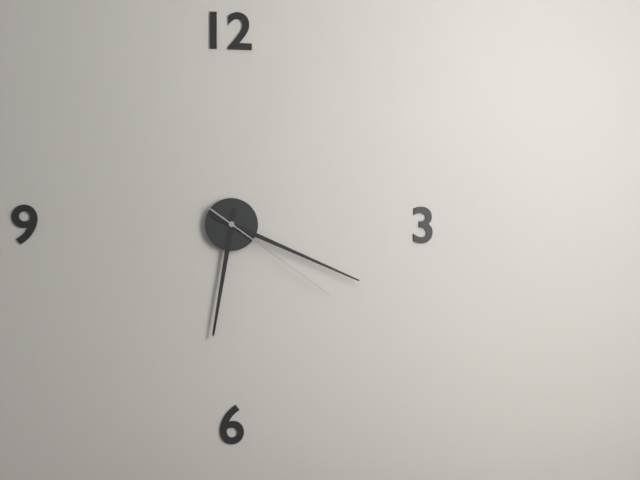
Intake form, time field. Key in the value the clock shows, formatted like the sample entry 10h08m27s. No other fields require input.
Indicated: 6h19m21s
